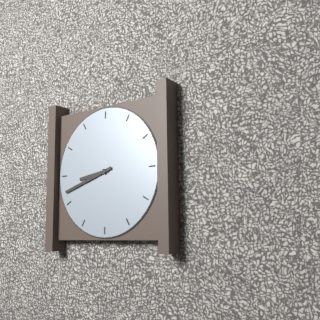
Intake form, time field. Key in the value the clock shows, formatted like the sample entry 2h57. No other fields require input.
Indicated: 8h42
